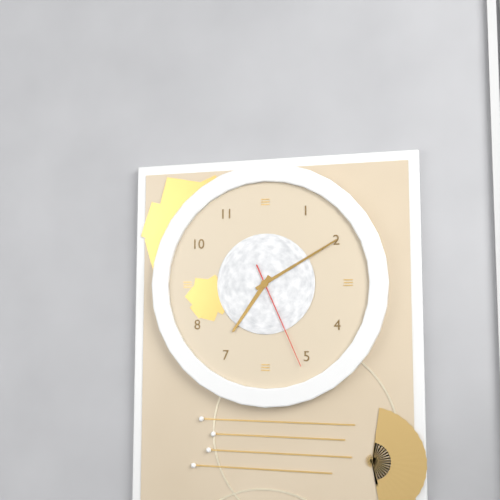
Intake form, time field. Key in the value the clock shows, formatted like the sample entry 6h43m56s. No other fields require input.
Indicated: 7h10m26s
